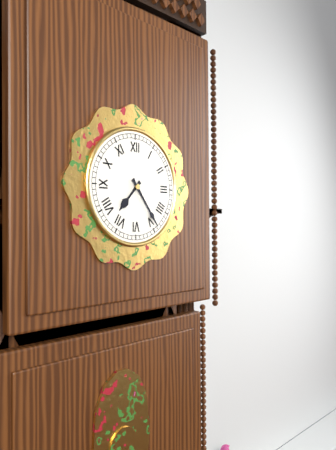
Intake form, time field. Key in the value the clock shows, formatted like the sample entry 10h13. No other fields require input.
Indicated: 7h24
